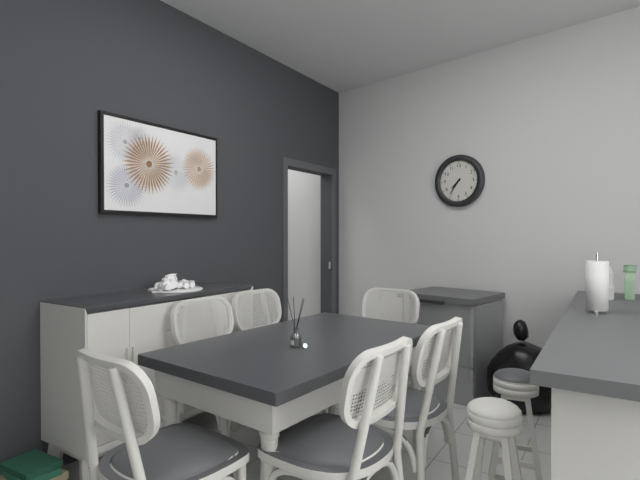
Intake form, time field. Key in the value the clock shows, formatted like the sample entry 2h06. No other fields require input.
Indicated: 7h36
